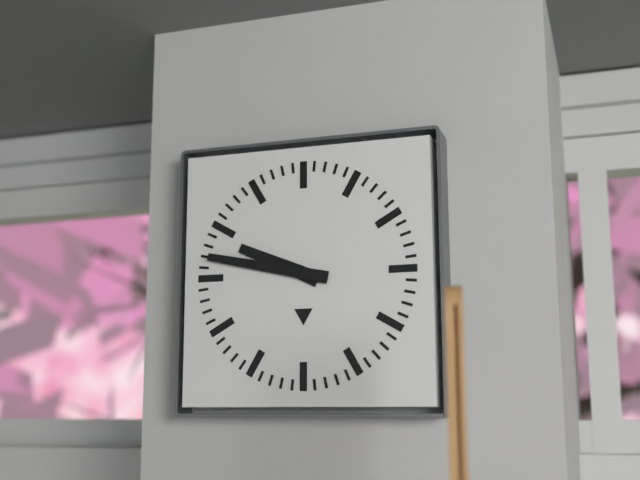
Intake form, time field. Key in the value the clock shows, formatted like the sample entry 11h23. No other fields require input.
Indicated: 9h47
